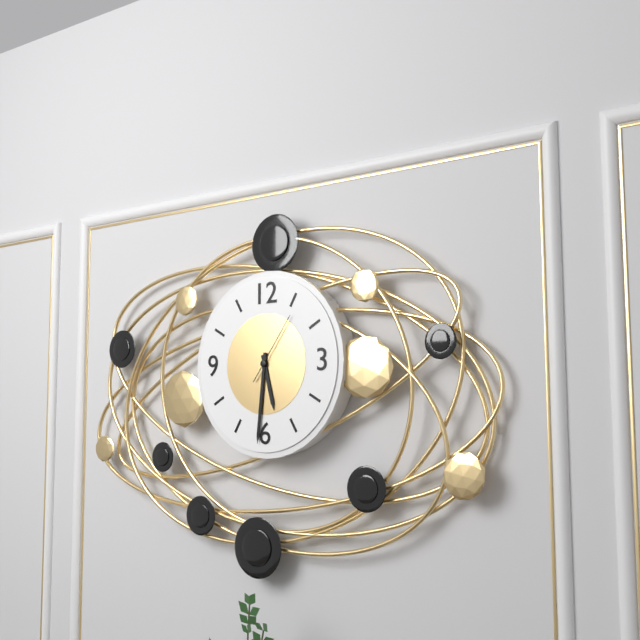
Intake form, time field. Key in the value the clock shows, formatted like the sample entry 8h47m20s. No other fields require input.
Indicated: 5h31m06s
